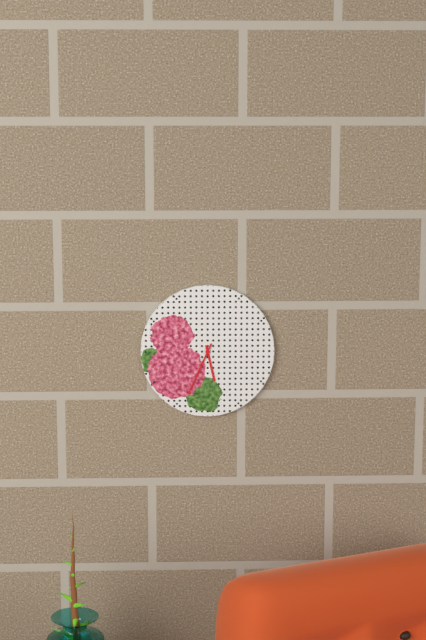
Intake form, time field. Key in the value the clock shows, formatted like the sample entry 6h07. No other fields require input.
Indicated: 5h34
